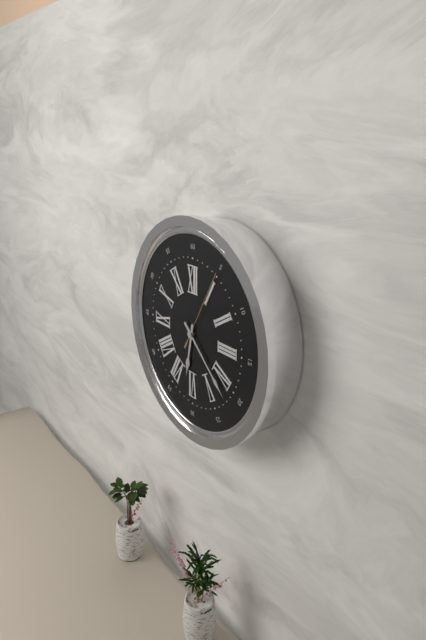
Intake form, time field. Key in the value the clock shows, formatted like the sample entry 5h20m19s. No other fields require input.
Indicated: 6h22m05s
